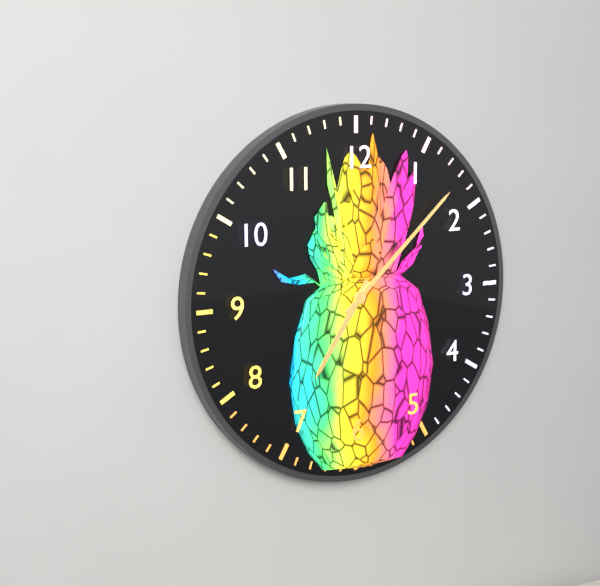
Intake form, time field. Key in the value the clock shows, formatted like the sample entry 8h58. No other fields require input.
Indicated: 7h08
